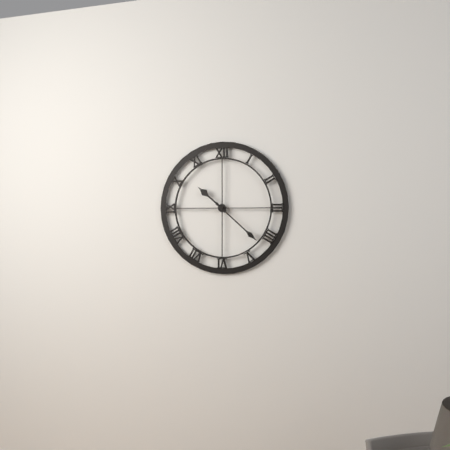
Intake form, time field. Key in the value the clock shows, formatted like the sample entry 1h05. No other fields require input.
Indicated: 10h22
